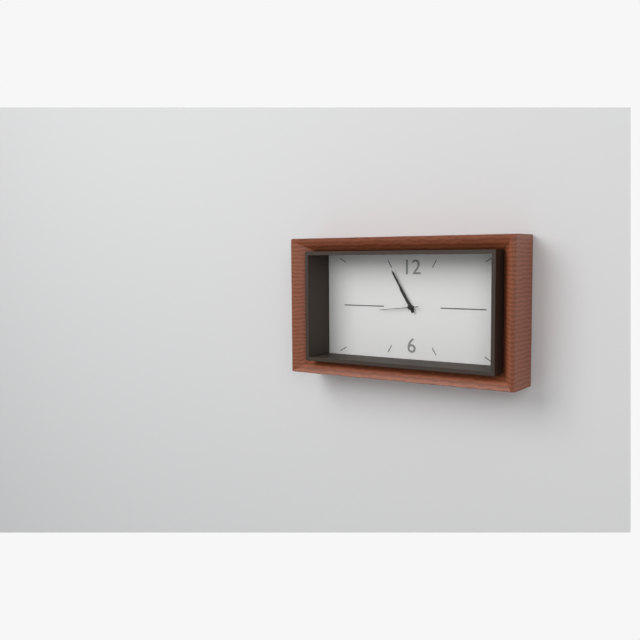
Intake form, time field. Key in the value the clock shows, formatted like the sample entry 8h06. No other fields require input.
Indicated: 10h55
